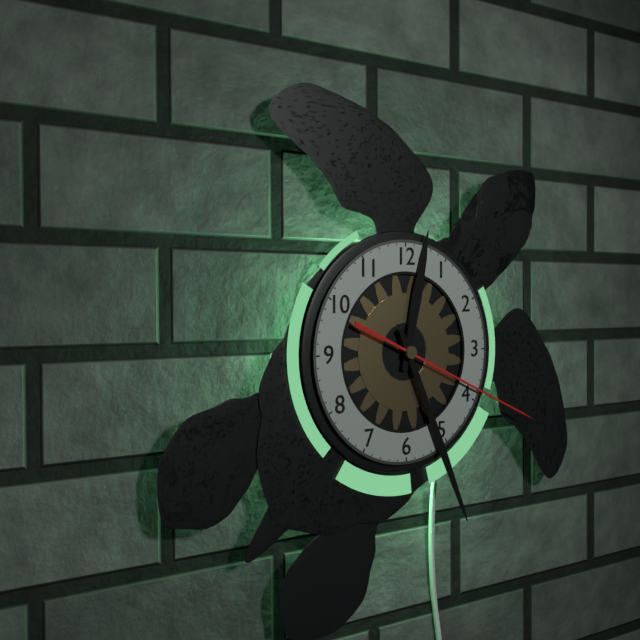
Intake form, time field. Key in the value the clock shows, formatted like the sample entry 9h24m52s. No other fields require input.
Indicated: 12h26m19s
